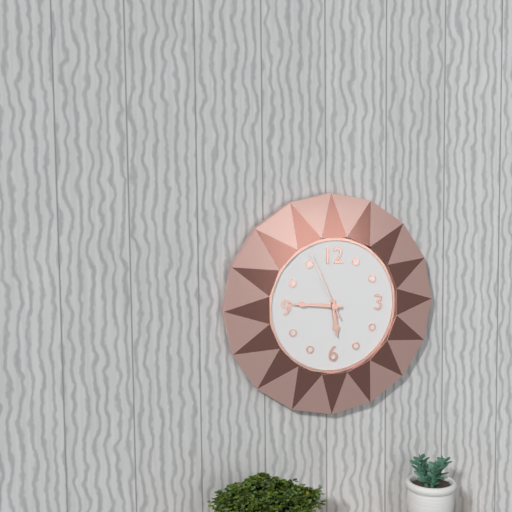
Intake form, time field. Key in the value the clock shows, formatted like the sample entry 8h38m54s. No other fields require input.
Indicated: 5h46m56s
